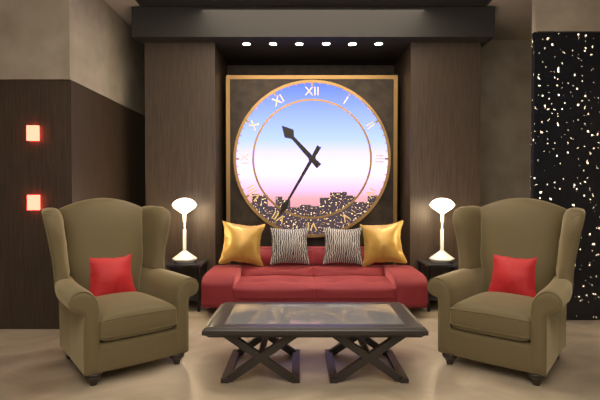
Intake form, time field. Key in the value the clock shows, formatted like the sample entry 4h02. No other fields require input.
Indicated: 10h35
